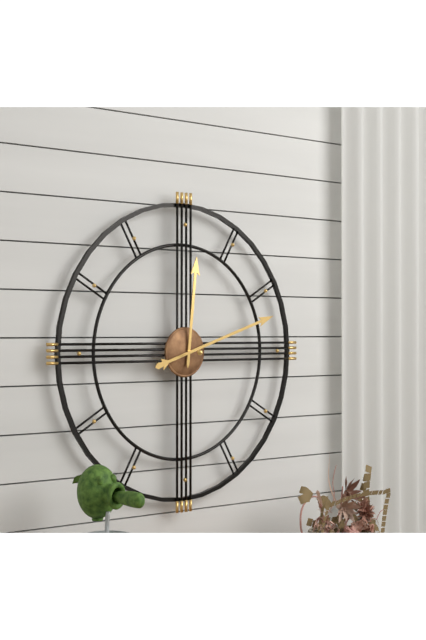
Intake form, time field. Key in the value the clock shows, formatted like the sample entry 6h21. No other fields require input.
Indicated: 12h12
